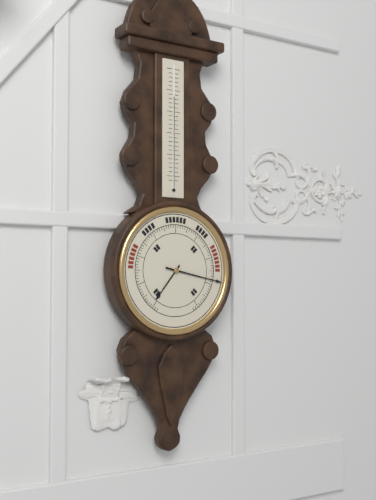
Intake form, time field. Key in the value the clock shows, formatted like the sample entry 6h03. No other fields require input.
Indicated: 7h17
